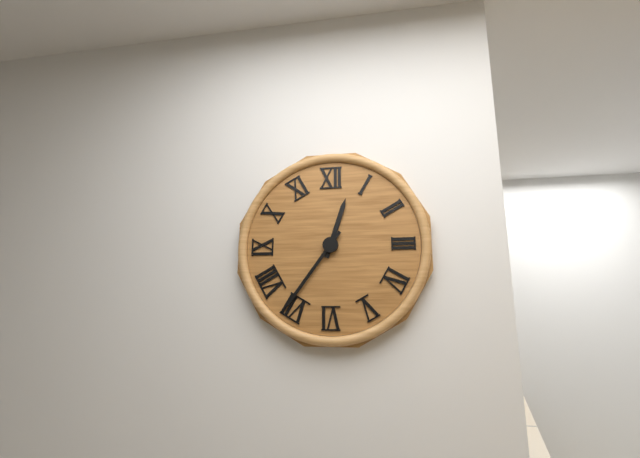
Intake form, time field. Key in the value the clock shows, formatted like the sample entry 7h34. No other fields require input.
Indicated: 12h36
